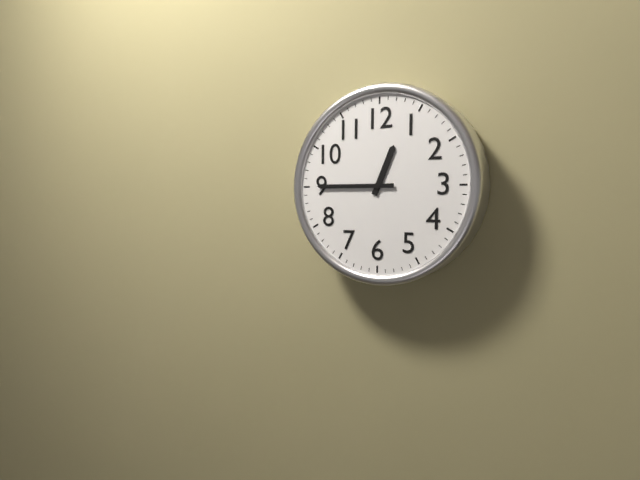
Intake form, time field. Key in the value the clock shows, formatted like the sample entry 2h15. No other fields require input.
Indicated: 12h45
